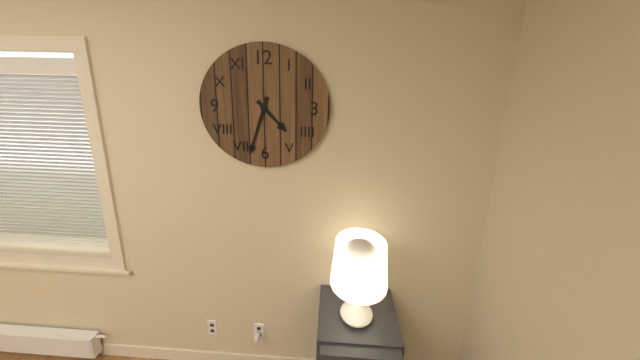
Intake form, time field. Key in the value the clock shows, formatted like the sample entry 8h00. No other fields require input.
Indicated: 4h33
